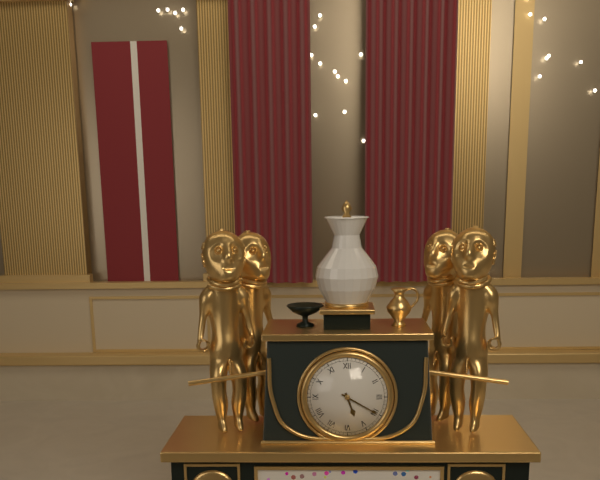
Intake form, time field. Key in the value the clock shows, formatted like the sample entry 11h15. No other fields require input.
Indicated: 5h20
